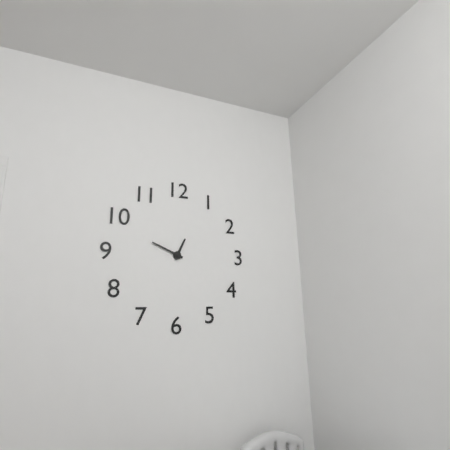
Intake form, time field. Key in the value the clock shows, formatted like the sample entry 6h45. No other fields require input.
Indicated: 12h49
